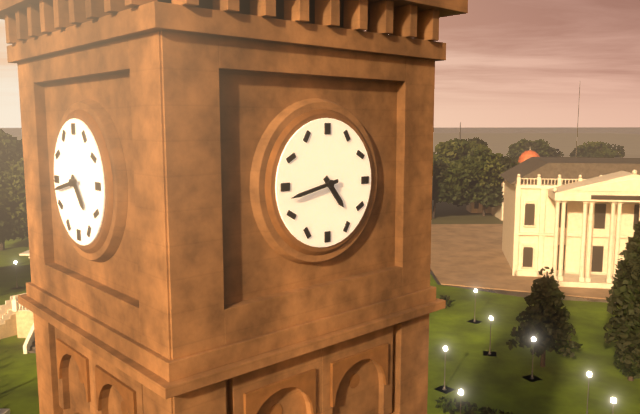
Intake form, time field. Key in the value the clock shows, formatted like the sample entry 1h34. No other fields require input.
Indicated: 4h43
